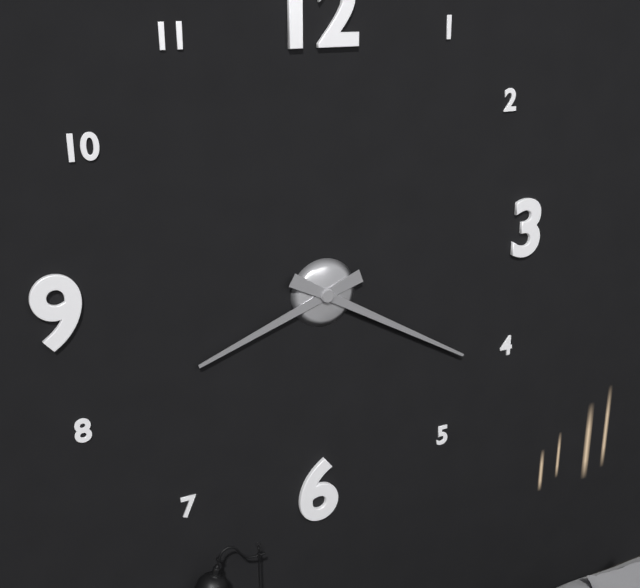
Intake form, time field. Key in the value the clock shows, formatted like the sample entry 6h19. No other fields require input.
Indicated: 8h20
